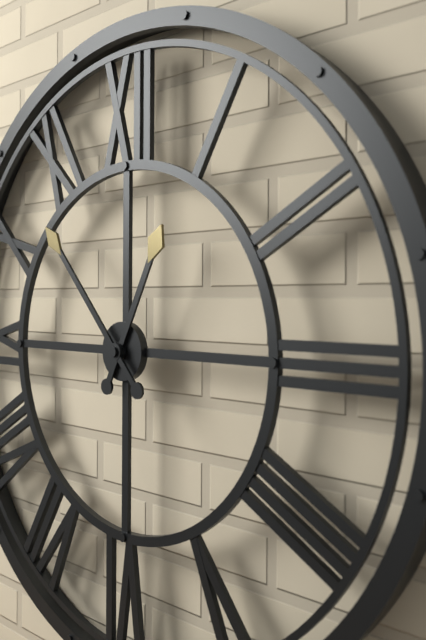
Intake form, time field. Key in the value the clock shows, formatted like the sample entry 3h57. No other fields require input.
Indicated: 12h53
